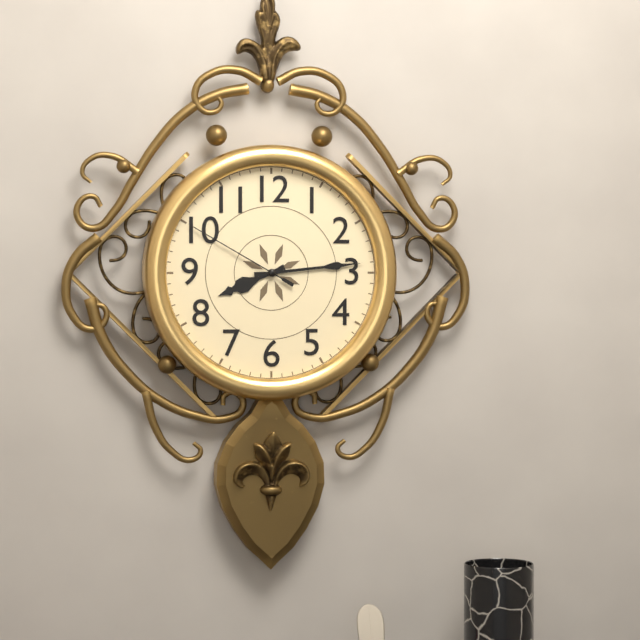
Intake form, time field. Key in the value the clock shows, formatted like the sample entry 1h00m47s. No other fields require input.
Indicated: 8h14m50s
